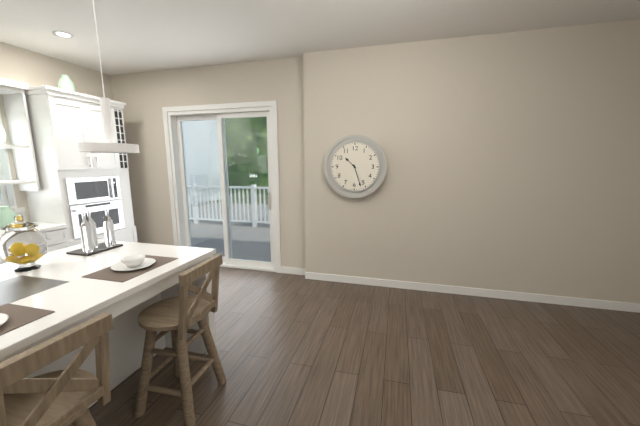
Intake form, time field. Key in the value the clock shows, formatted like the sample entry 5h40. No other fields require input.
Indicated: 10h27
